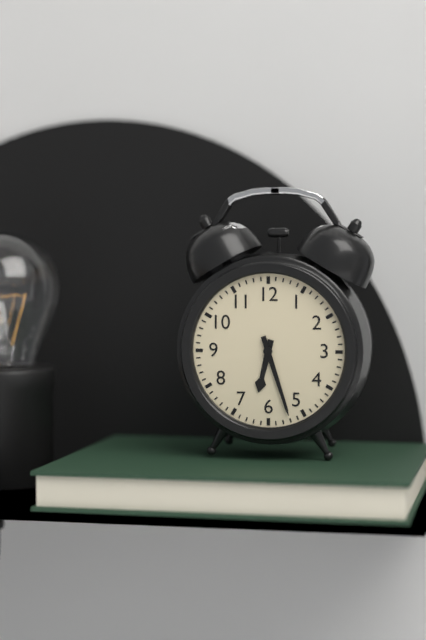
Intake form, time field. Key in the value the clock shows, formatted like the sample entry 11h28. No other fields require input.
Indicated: 6h27
